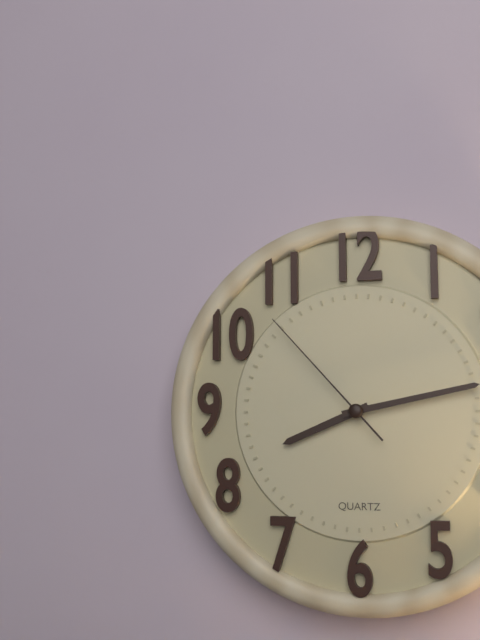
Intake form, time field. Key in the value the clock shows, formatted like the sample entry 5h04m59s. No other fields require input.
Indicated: 8h13m53s
